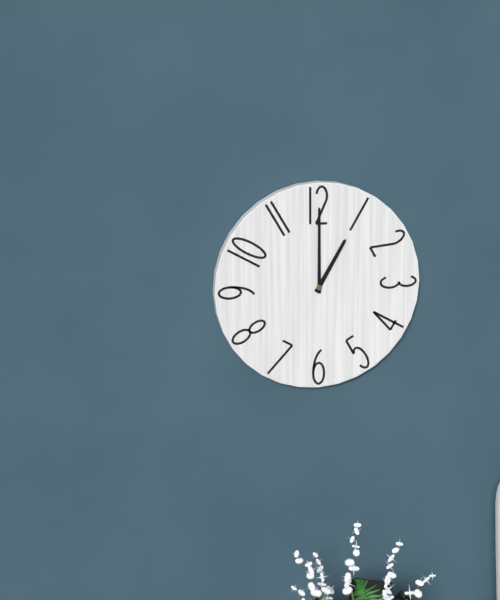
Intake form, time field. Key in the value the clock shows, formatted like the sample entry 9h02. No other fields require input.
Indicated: 1h00
